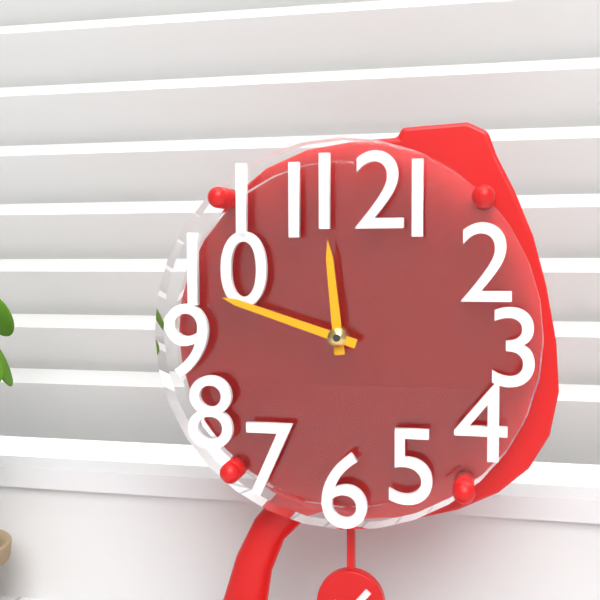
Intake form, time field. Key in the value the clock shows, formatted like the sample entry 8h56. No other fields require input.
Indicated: 11h48
